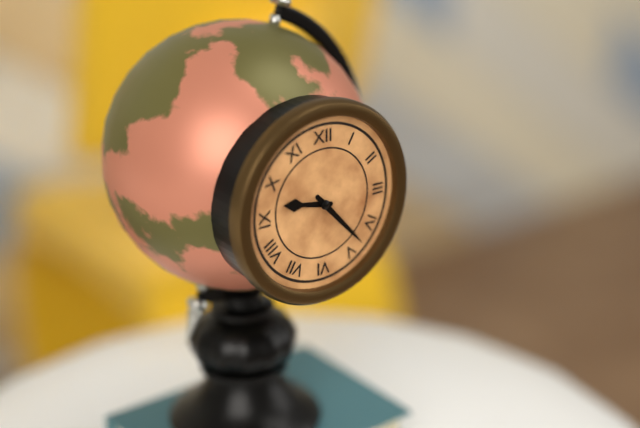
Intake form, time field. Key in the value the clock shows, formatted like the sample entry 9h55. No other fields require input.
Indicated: 9h23
